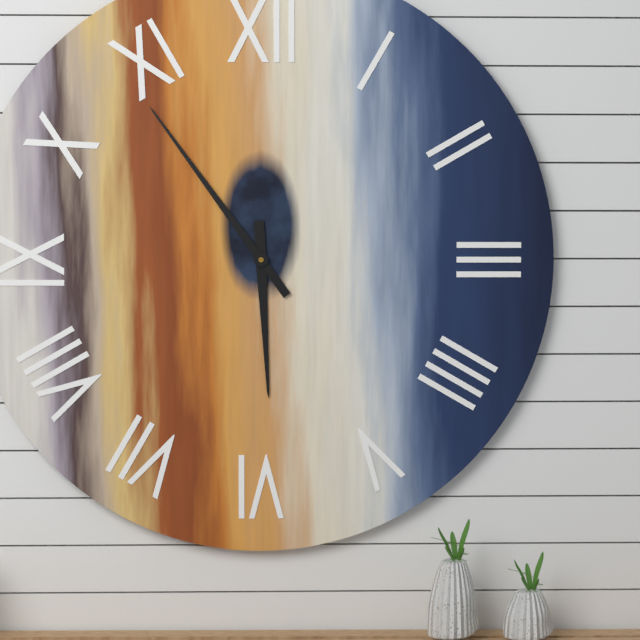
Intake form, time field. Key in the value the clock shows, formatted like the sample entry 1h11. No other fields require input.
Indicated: 5h54
